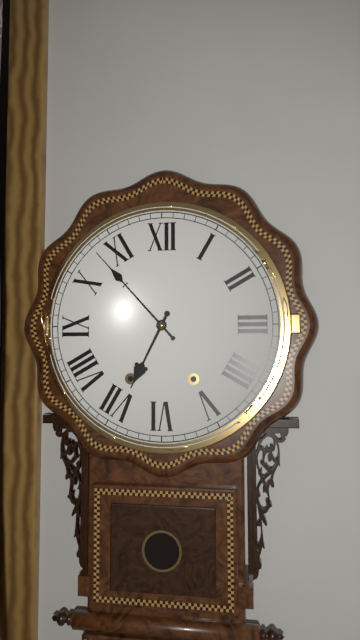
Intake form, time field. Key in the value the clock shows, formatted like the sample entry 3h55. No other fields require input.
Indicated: 6h53
